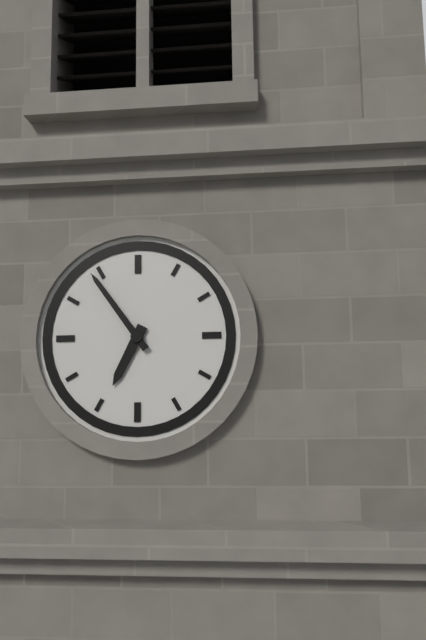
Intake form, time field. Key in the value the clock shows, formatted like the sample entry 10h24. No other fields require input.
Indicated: 6h54
